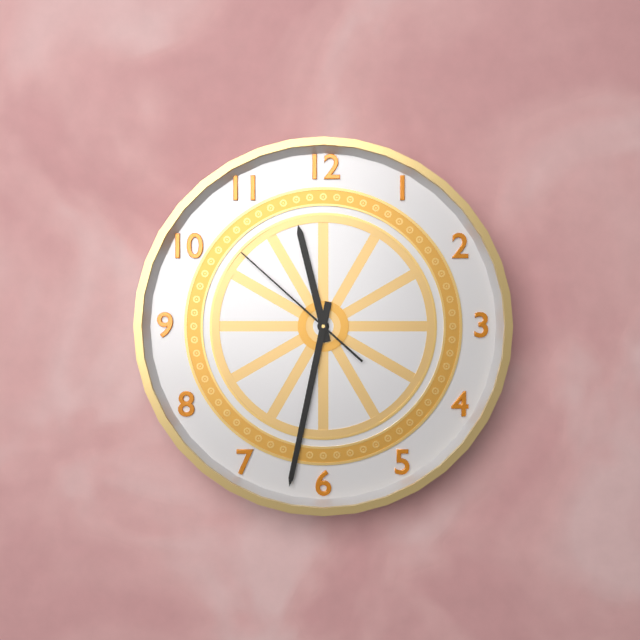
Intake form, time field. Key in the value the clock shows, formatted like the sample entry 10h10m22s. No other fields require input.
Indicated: 11h32m52s
